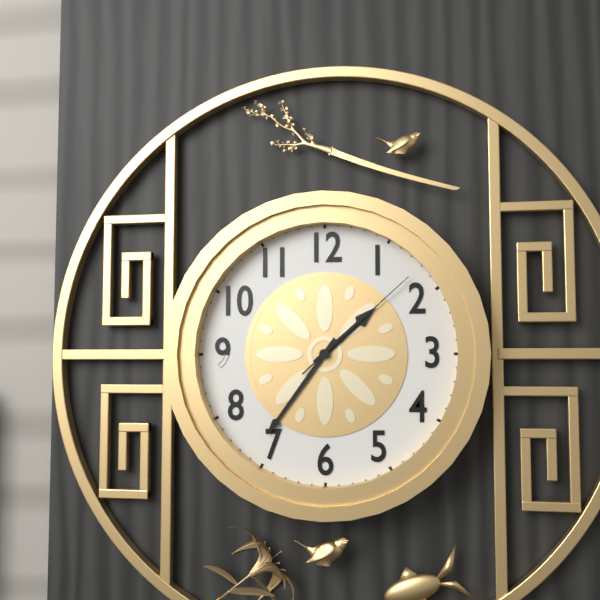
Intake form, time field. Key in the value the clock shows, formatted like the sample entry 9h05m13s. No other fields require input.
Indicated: 1h36m08s
